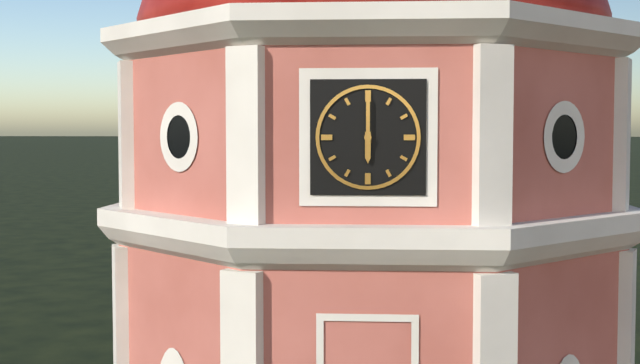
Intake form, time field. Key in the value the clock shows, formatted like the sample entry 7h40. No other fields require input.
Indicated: 6h00
